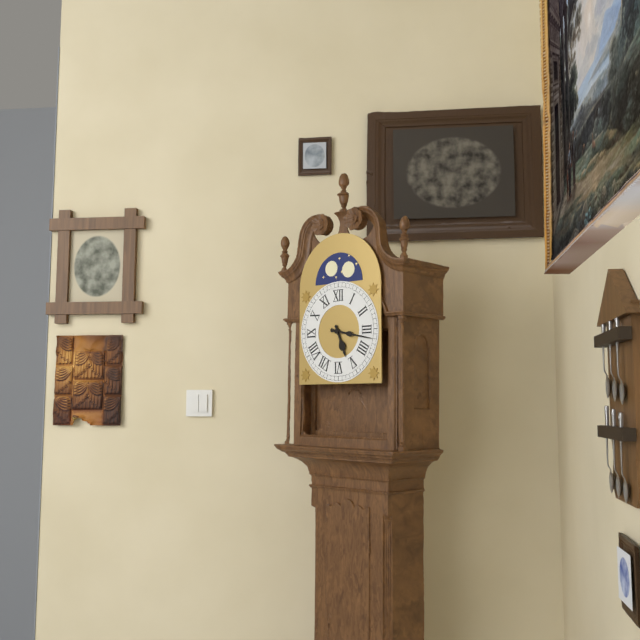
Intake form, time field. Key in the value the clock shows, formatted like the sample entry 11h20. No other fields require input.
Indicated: 5h17
